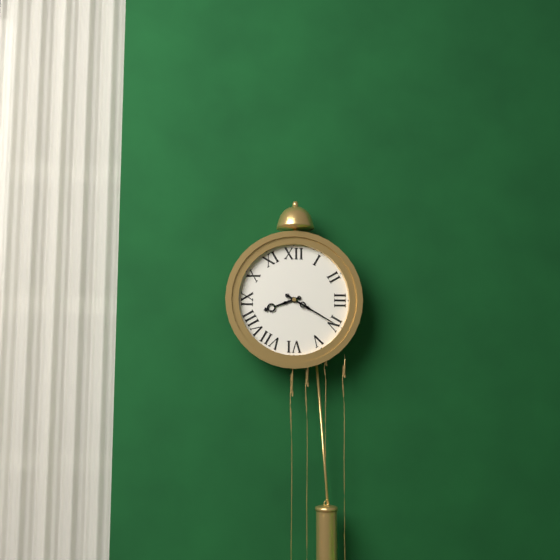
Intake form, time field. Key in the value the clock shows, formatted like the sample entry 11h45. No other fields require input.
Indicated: 8h20
